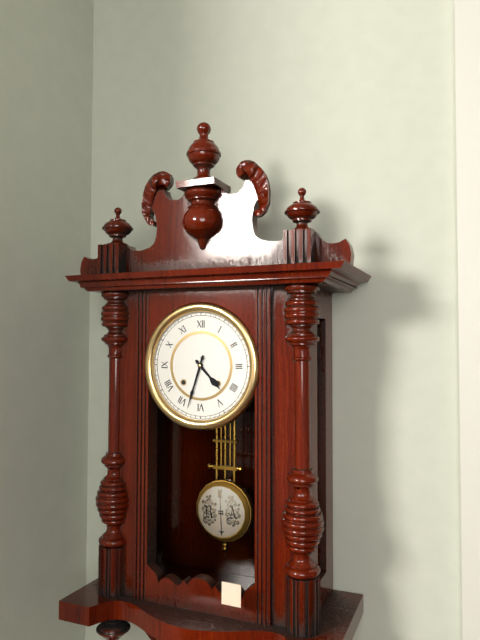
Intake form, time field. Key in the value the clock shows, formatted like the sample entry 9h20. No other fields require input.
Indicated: 4h33
